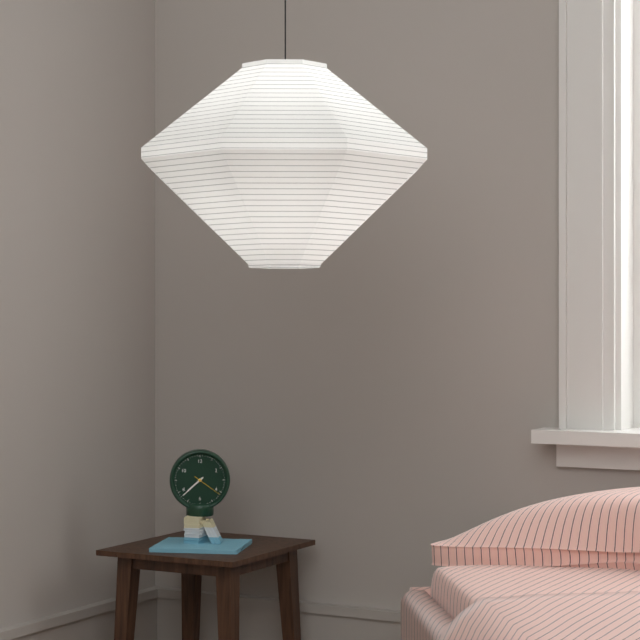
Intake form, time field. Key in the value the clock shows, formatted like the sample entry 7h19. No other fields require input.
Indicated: 7h38
